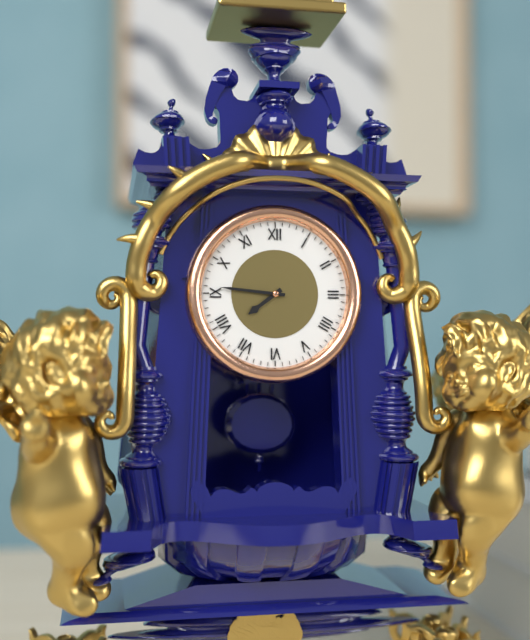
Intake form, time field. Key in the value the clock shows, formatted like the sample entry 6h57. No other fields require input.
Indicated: 7h46
